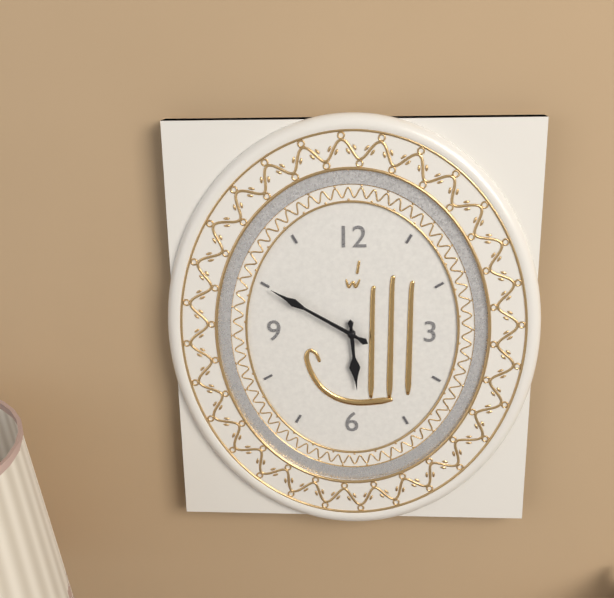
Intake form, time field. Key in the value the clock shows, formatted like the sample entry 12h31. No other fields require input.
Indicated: 5h50
